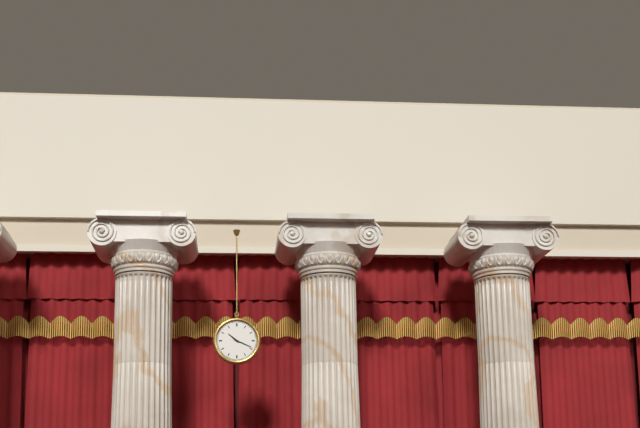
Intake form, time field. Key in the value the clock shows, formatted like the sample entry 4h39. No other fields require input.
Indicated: 10h19
